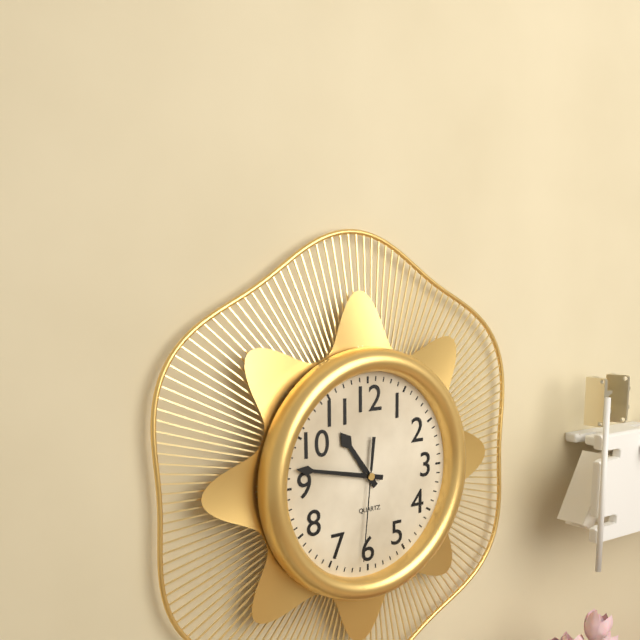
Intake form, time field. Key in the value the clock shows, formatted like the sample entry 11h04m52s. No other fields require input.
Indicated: 10h47m31s
